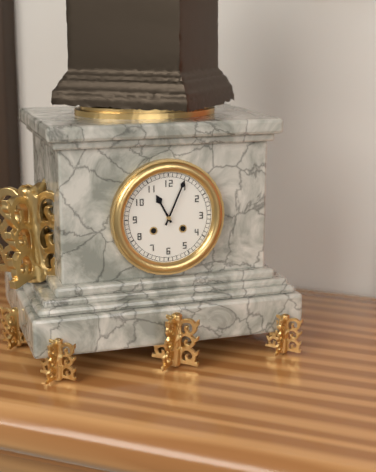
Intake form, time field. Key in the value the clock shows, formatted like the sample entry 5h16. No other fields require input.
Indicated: 11h04
